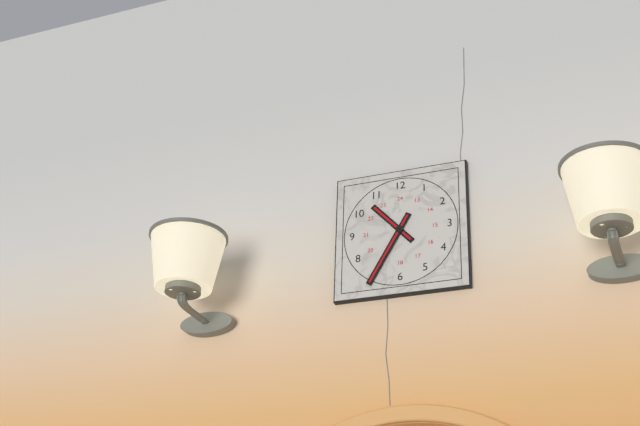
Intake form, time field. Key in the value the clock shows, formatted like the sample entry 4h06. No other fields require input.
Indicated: 10h35
